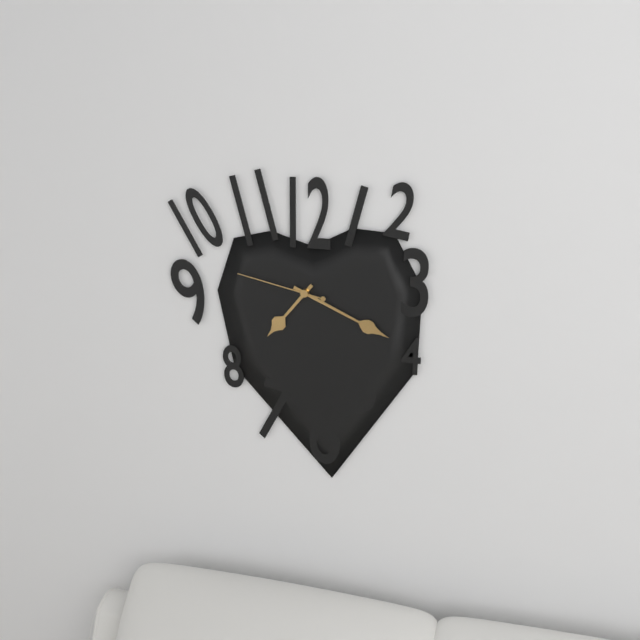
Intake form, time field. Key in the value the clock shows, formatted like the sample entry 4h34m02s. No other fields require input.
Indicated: 7h19m47s
